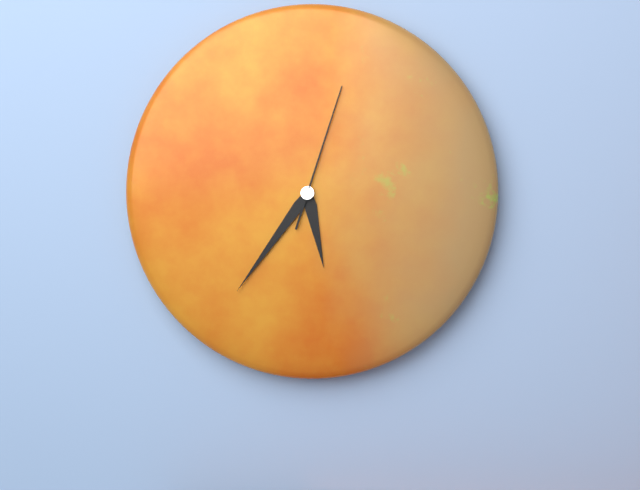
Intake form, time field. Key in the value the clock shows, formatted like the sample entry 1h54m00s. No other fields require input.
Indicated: 5h36m03s
